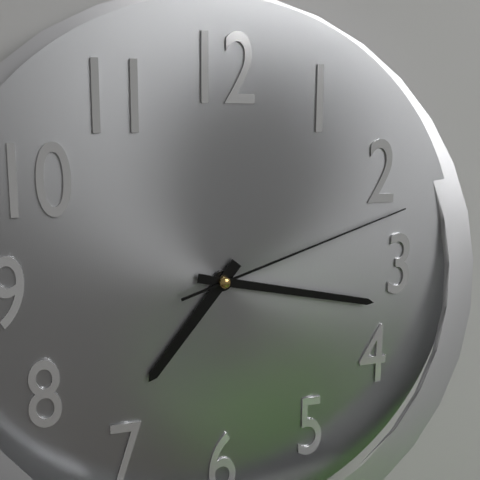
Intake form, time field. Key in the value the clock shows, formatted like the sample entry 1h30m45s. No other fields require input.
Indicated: 7h17m12s
